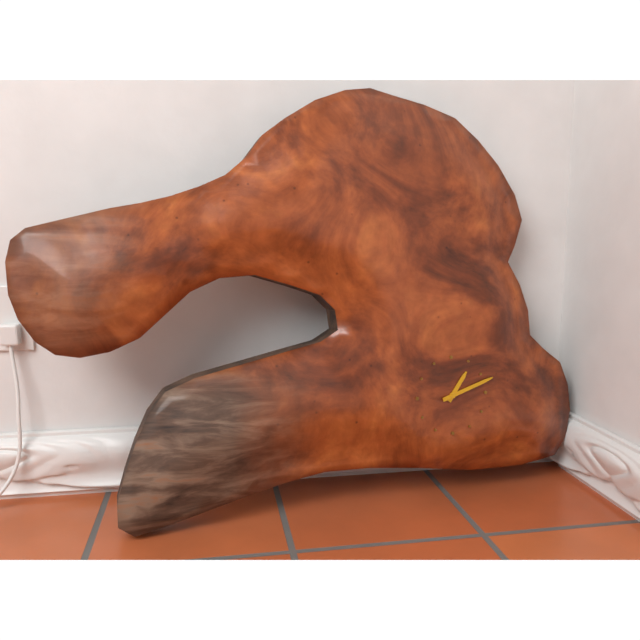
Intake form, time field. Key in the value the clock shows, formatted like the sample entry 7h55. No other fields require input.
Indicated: 1h12
